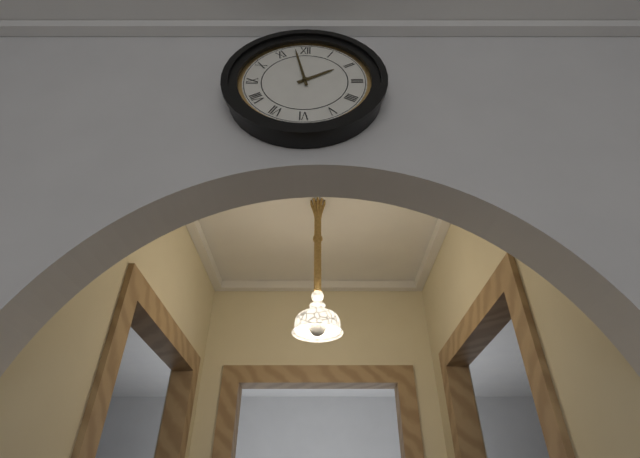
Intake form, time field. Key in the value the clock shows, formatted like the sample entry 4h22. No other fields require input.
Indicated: 1h58
